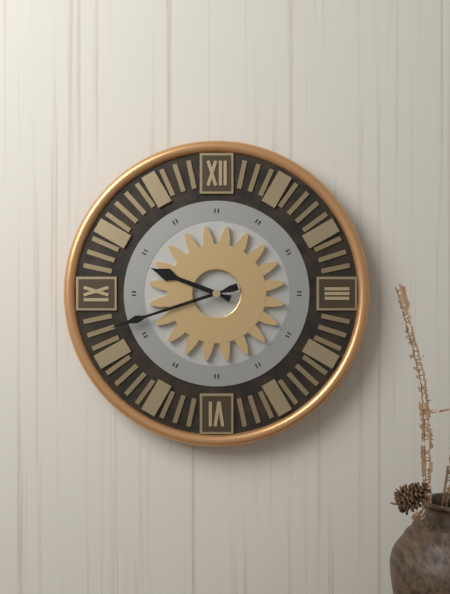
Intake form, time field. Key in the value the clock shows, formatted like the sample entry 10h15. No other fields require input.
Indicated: 9h42
